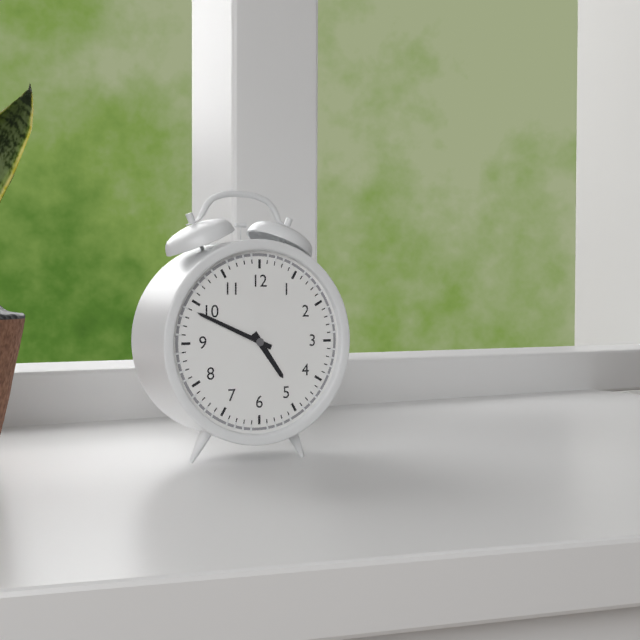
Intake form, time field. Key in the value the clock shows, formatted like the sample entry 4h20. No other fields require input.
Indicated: 4h49
